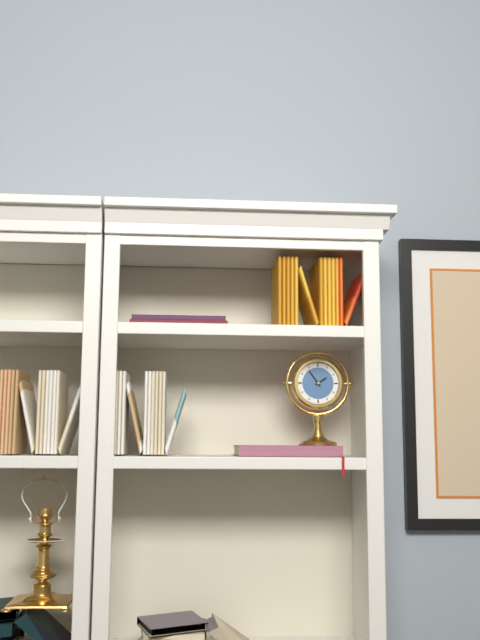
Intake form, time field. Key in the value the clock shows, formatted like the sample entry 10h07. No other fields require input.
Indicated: 1h54
